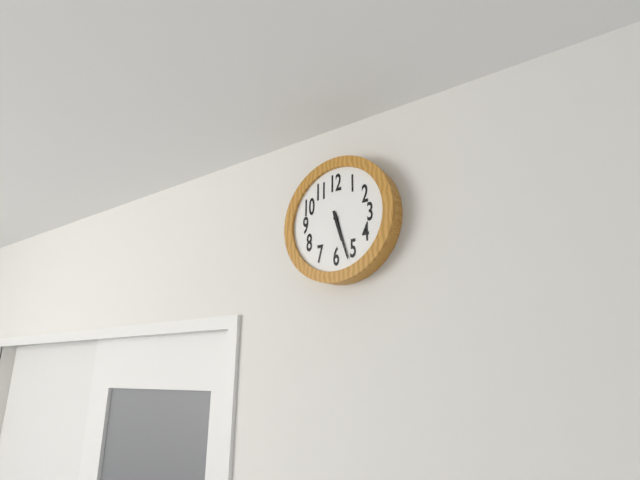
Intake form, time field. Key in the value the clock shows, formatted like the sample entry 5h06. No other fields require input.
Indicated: 5h27
